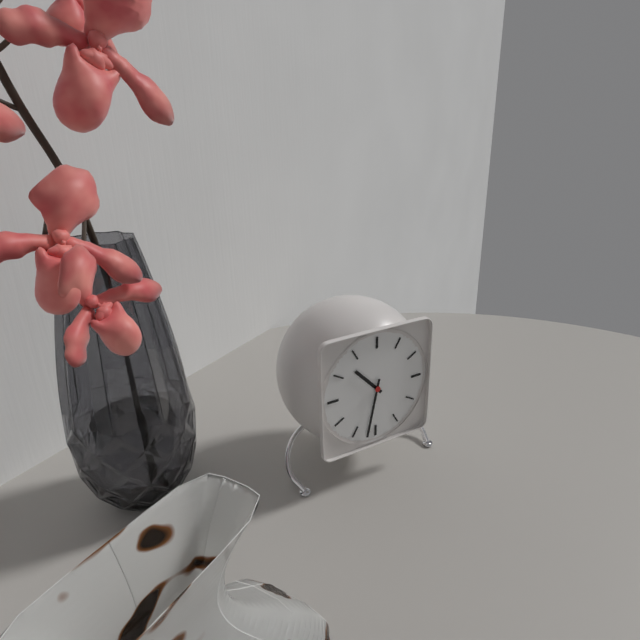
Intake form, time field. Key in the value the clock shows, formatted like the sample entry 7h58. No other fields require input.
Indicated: 10h32
